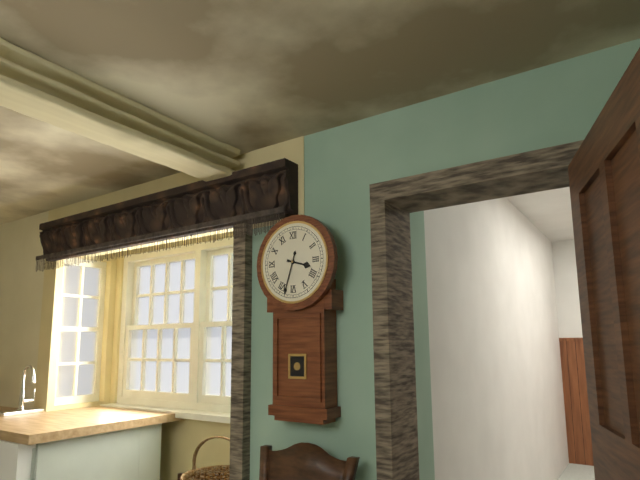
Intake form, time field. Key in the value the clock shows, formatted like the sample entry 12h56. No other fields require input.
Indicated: 3h33
